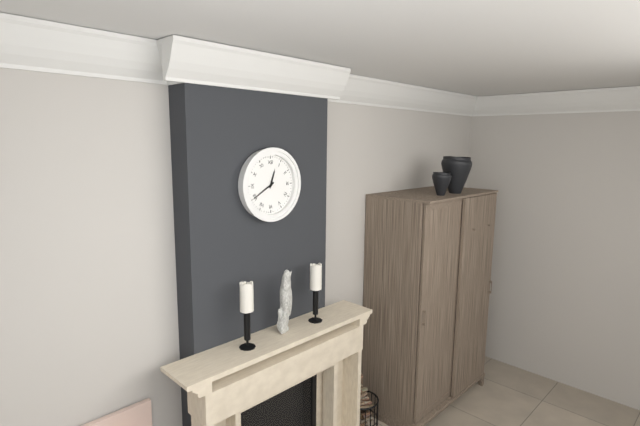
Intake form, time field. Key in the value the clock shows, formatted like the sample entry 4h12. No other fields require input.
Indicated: 12h40
